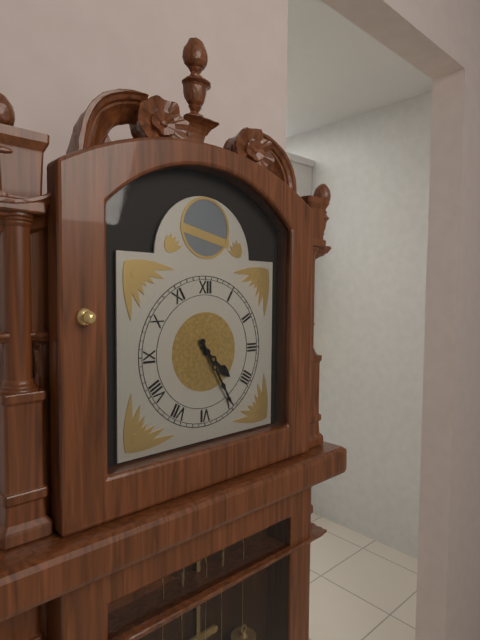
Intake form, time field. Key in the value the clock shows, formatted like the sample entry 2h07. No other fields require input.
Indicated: 4h25
